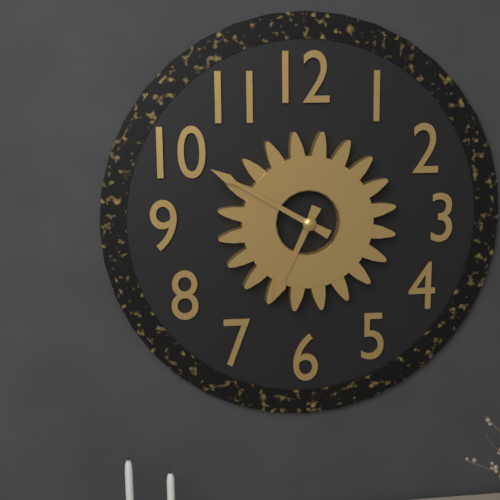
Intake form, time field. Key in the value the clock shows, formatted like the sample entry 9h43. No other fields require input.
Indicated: 6h50
